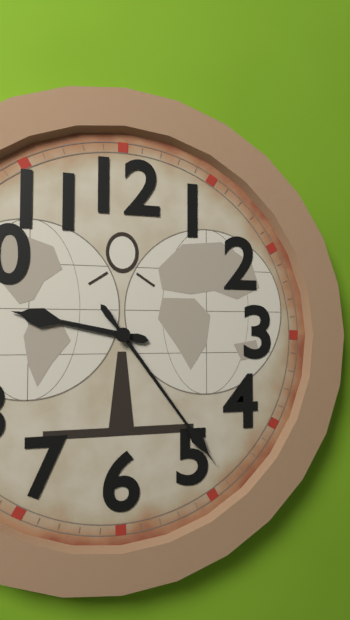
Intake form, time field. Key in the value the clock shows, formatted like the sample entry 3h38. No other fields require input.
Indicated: 9h24
